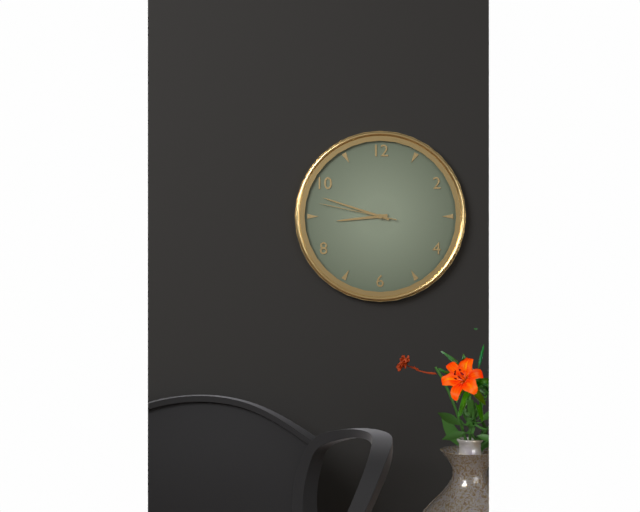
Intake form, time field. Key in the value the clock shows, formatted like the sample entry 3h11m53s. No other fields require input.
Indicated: 8h48m47s
